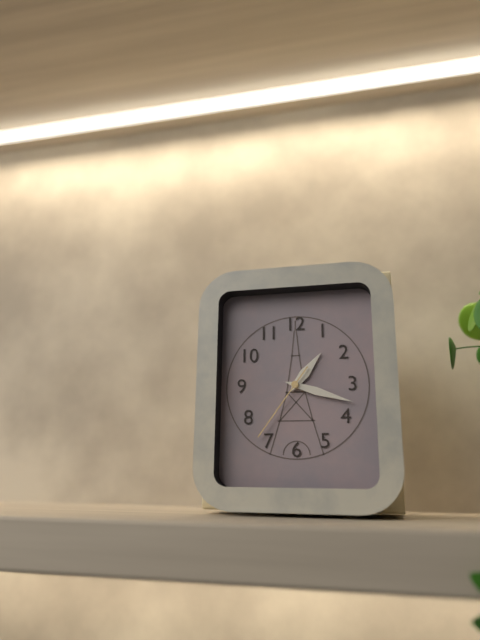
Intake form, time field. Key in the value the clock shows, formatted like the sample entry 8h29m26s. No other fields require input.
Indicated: 1h18m36s
